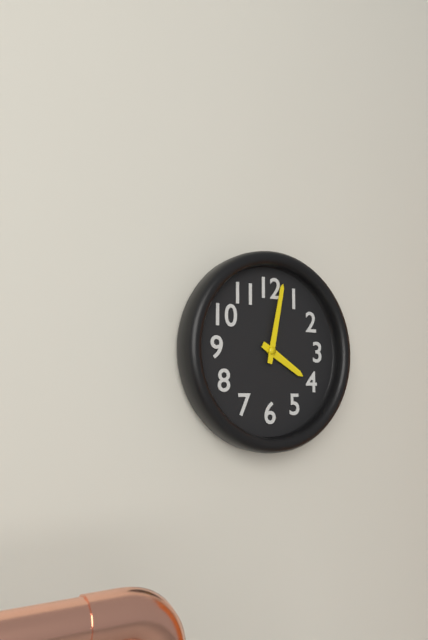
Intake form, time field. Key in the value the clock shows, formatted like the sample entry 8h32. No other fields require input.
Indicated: 4h02
